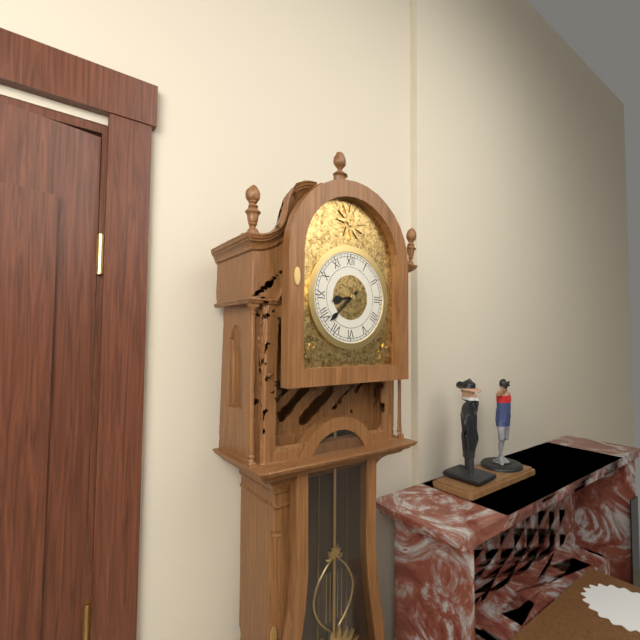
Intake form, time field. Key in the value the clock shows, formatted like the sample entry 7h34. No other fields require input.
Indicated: 8h38
